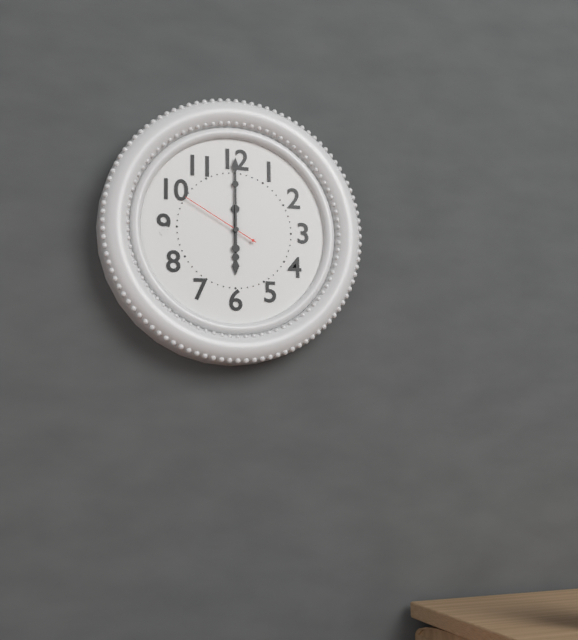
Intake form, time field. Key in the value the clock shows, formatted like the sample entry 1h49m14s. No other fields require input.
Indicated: 6h00m50s
